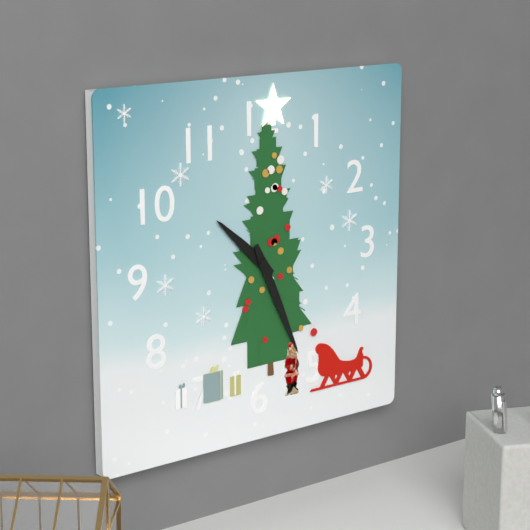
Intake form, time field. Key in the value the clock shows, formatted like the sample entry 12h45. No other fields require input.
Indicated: 10h26
